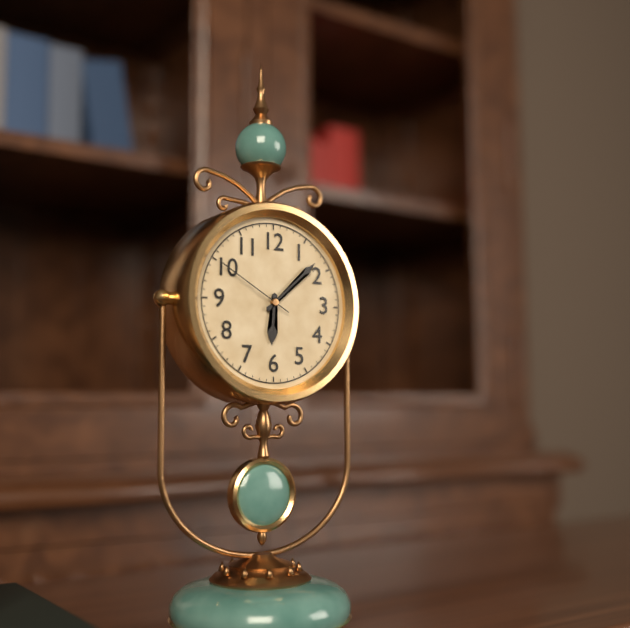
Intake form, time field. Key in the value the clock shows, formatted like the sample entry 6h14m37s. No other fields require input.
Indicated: 6h08m50s
